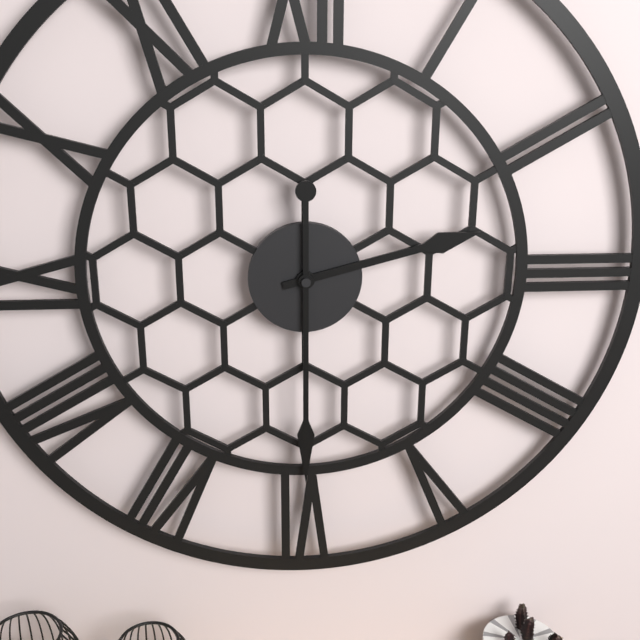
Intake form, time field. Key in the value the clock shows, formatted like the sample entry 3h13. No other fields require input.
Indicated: 2h30
